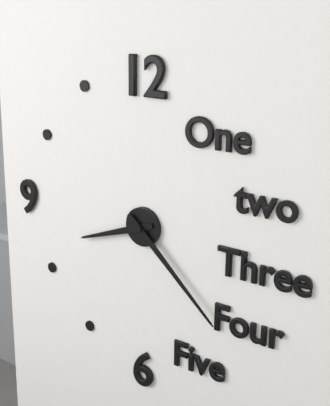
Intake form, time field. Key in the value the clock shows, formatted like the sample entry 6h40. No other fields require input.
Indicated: 8h22
